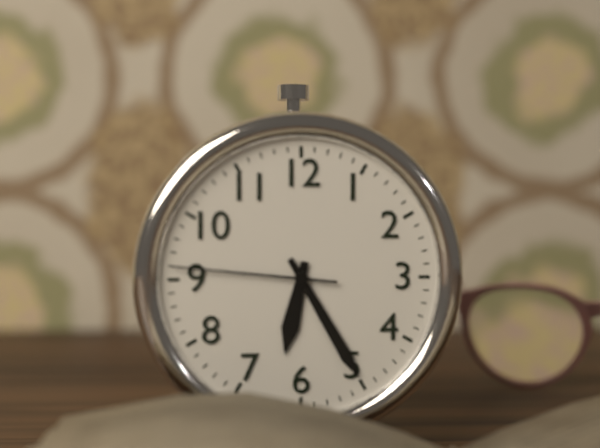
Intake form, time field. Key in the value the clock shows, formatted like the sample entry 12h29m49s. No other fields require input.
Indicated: 6h25m46s
